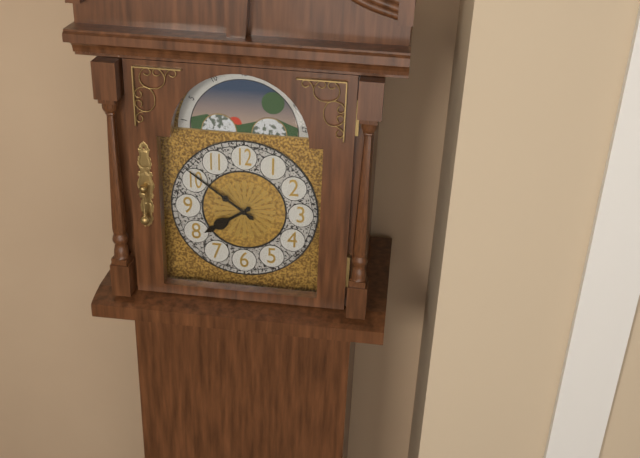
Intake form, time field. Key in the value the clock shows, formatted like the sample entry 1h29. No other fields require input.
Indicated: 7h51
